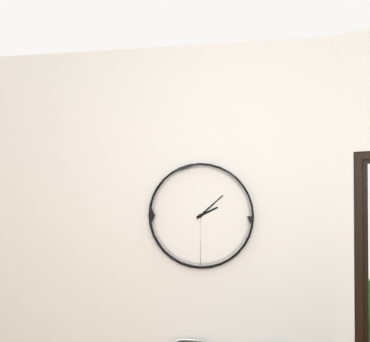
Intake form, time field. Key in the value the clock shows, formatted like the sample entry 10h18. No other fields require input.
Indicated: 2h08
